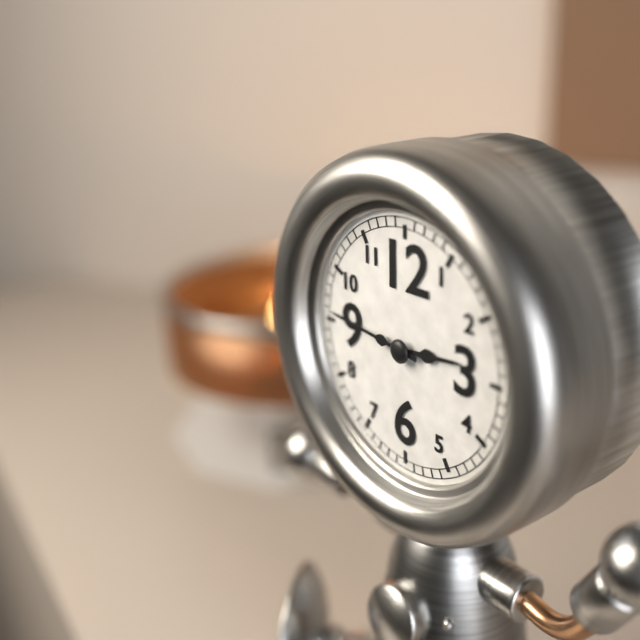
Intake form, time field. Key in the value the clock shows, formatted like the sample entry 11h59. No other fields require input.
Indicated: 2h46
